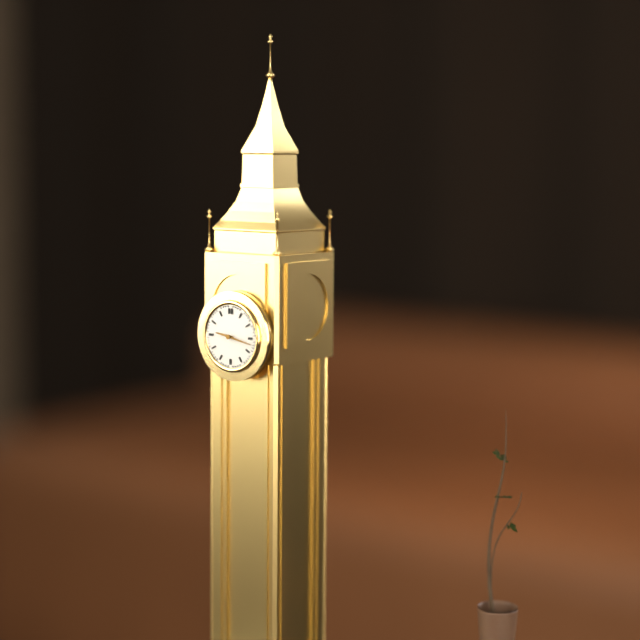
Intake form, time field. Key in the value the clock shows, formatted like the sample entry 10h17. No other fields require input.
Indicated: 9h17
